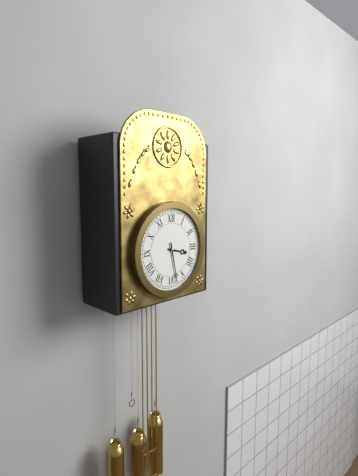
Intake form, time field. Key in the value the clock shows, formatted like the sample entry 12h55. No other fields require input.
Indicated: 3h28
